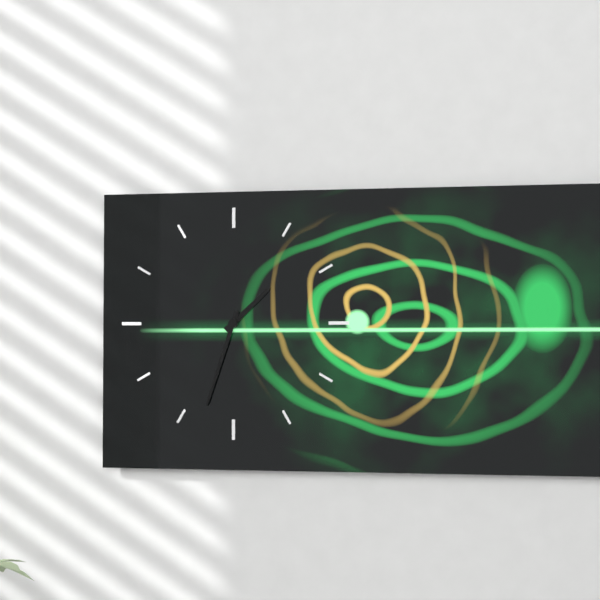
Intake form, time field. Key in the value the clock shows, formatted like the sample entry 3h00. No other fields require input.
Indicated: 1h33
